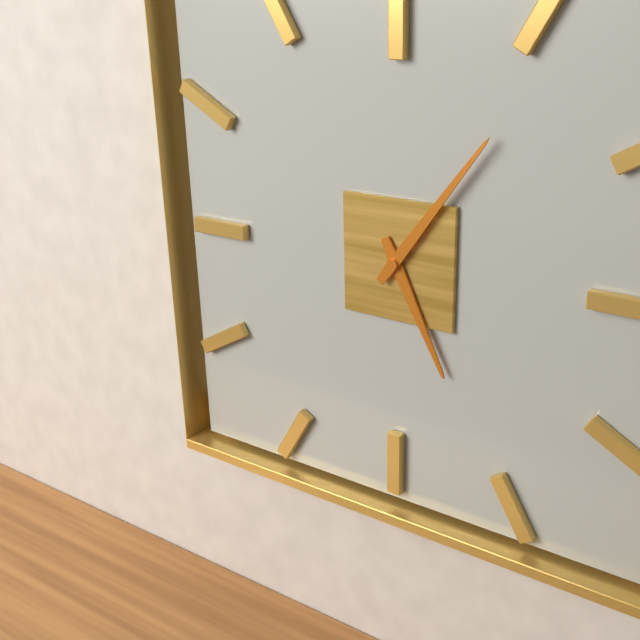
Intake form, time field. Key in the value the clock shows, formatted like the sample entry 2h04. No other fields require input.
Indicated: 5h06
